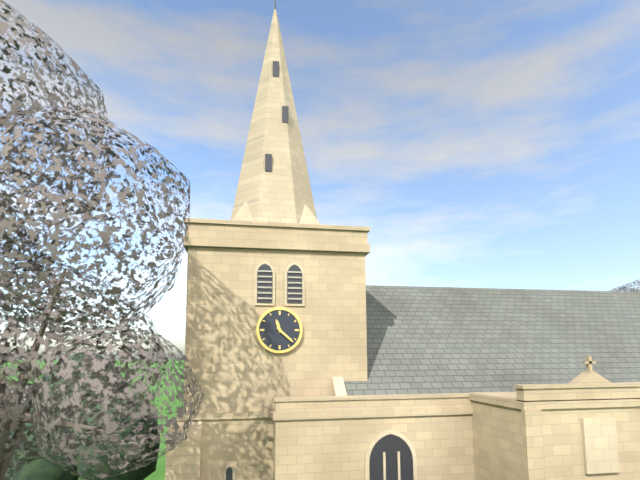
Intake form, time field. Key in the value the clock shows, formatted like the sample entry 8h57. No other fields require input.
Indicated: 11h22
